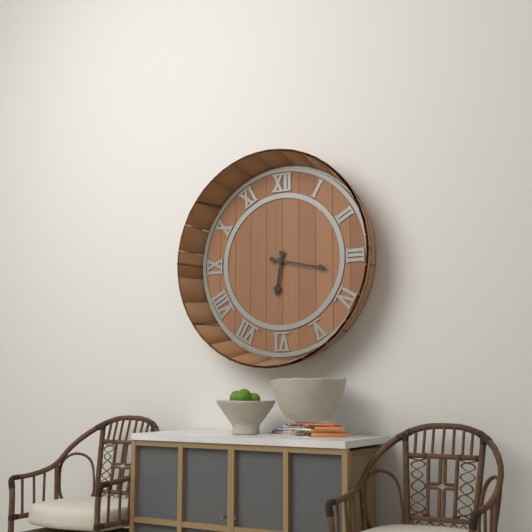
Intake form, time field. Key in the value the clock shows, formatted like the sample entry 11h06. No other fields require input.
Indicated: 6h17
